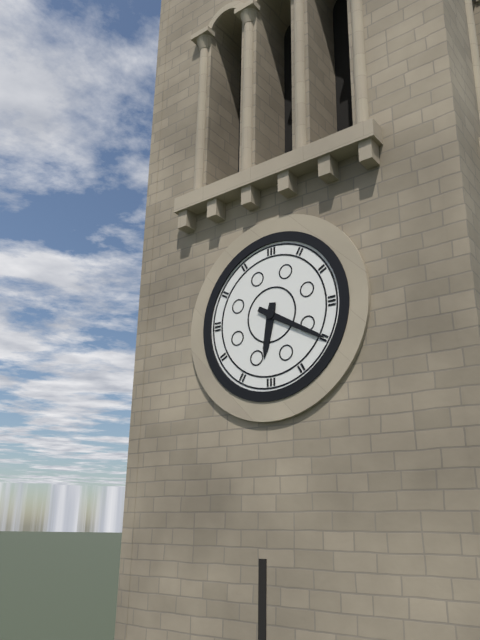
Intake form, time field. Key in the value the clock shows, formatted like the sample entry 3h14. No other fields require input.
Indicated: 6h20
